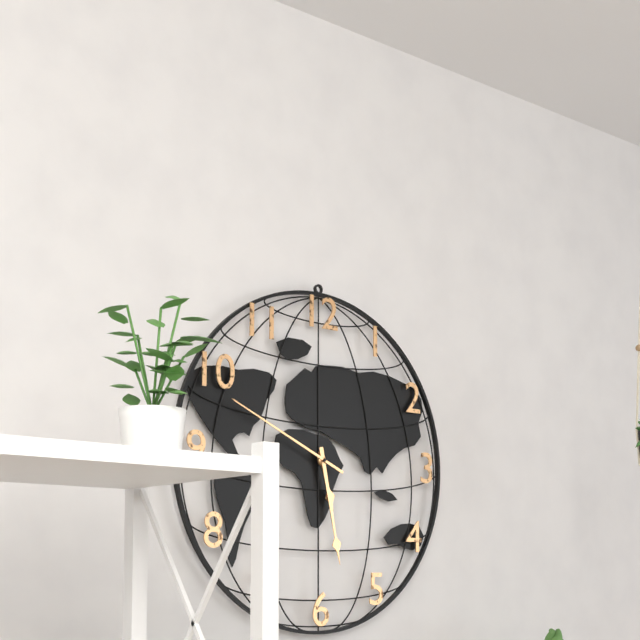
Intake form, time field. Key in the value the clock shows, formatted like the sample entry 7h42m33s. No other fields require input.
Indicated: 5h28m49s
